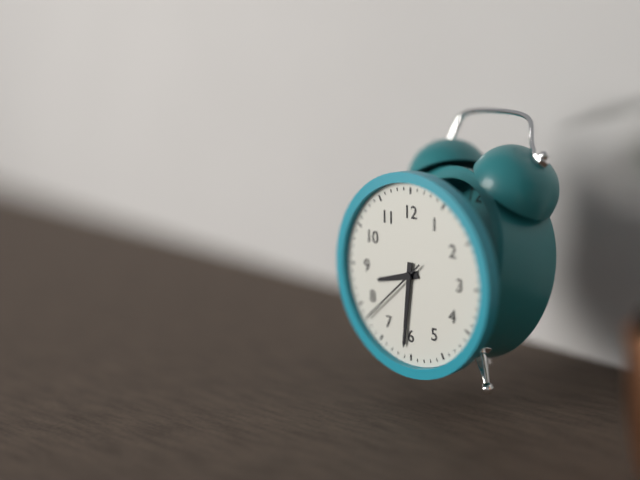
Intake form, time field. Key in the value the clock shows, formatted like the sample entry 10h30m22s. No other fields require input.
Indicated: 8h31m38s
